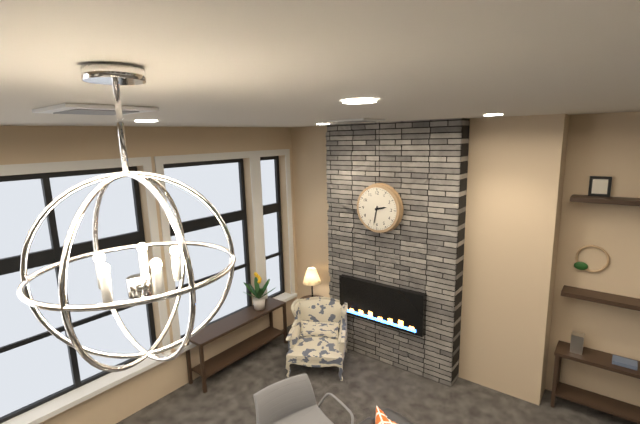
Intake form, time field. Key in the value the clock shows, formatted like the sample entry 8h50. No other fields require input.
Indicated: 2h32
